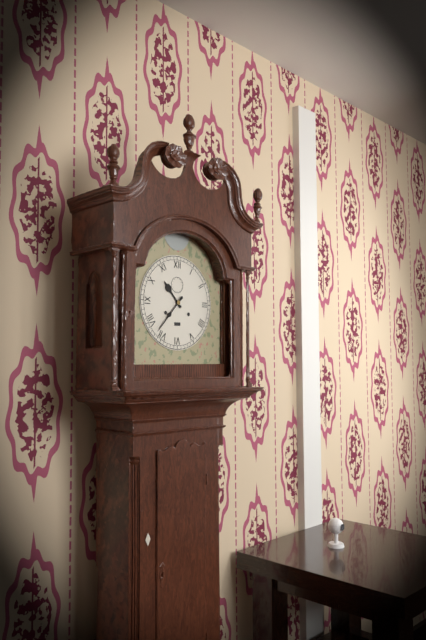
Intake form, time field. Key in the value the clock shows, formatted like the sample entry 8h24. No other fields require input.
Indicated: 10h37
